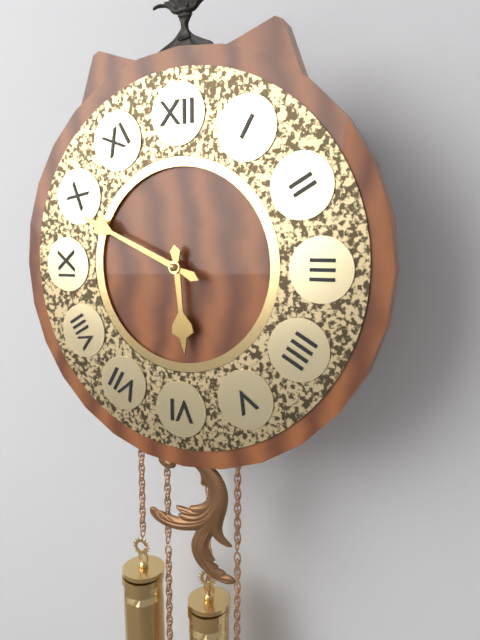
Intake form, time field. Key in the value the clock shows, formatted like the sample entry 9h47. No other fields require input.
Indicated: 5h49
